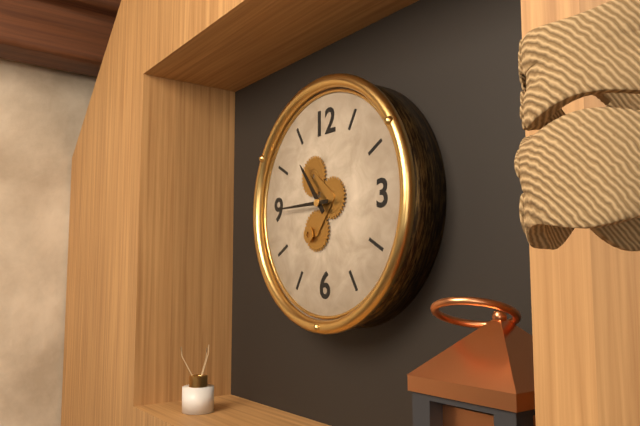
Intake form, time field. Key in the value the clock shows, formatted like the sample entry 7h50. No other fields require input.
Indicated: 10h45
